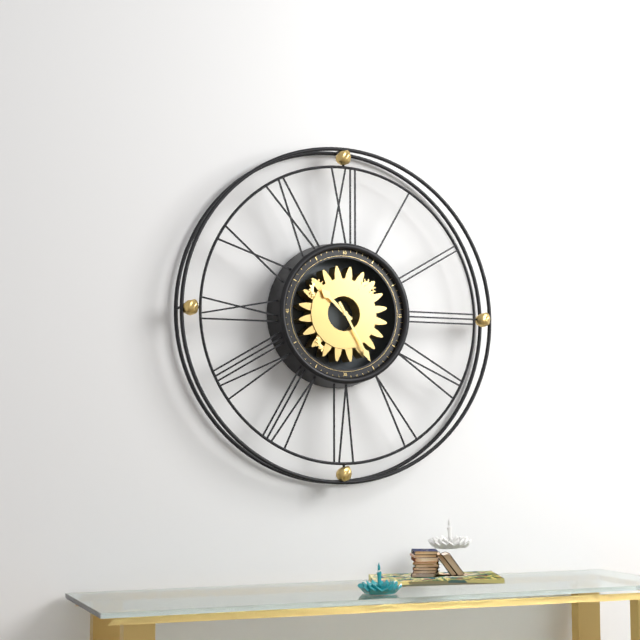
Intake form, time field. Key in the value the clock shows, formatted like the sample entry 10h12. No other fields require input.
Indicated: 10h25
